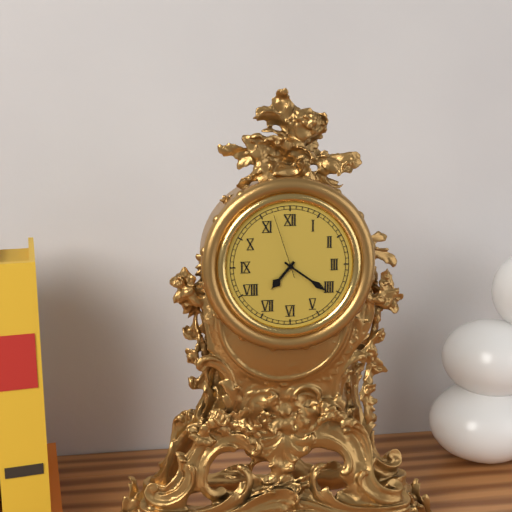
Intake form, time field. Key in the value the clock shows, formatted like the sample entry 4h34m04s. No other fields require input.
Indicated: 7h21m57s
